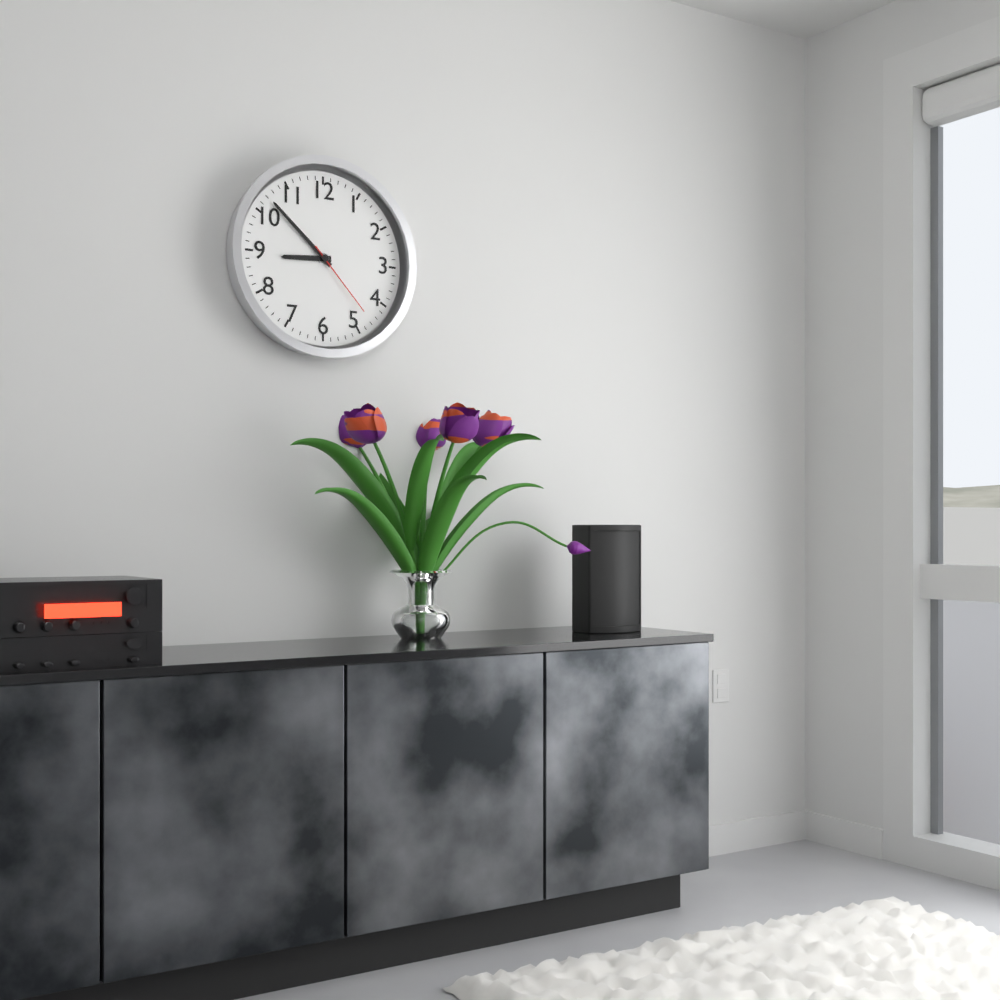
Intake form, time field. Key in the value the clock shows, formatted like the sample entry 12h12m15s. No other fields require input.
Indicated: 8h52m23s
